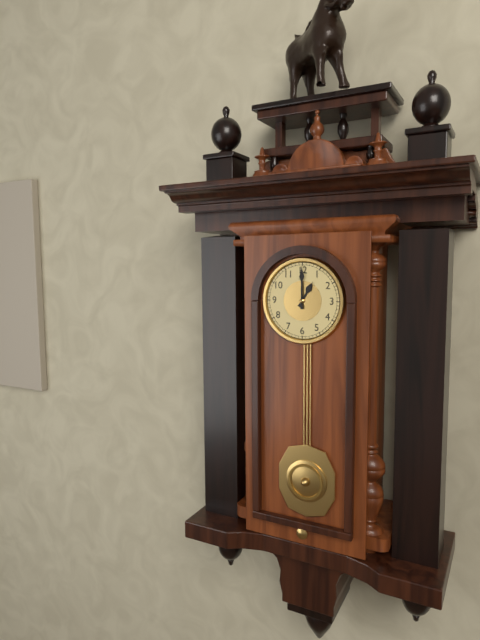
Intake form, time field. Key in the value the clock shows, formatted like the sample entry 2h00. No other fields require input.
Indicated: 1h00
